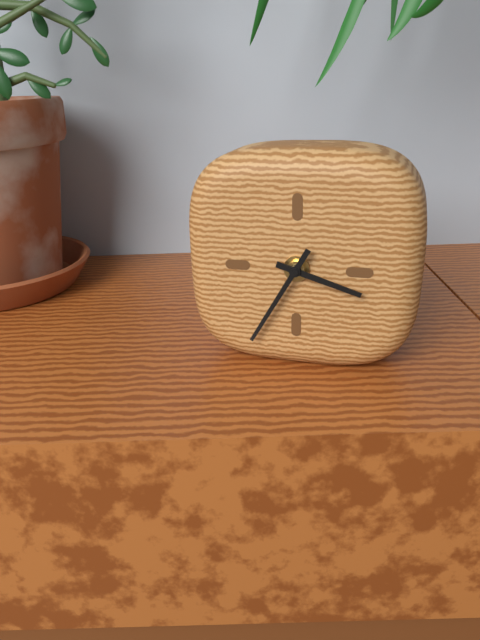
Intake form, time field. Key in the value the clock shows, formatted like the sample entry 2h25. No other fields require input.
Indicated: 3h35
